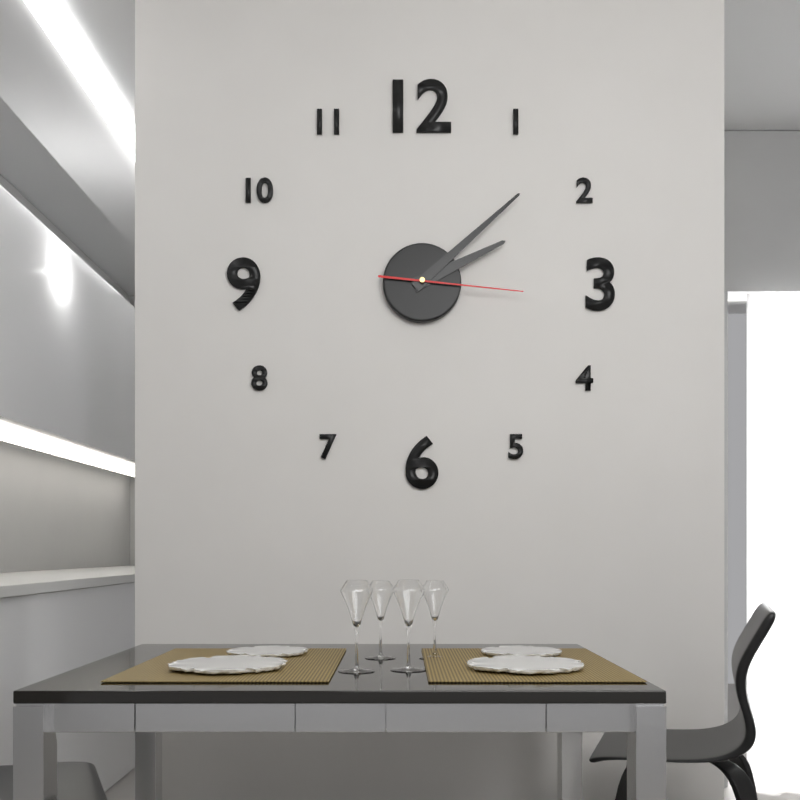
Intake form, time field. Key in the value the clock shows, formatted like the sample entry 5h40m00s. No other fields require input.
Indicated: 2h08m16s
